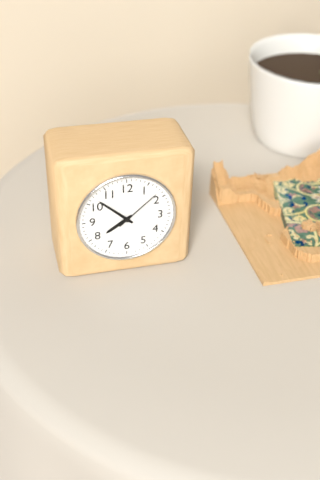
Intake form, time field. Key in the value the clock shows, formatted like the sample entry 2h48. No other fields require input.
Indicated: 7h52
